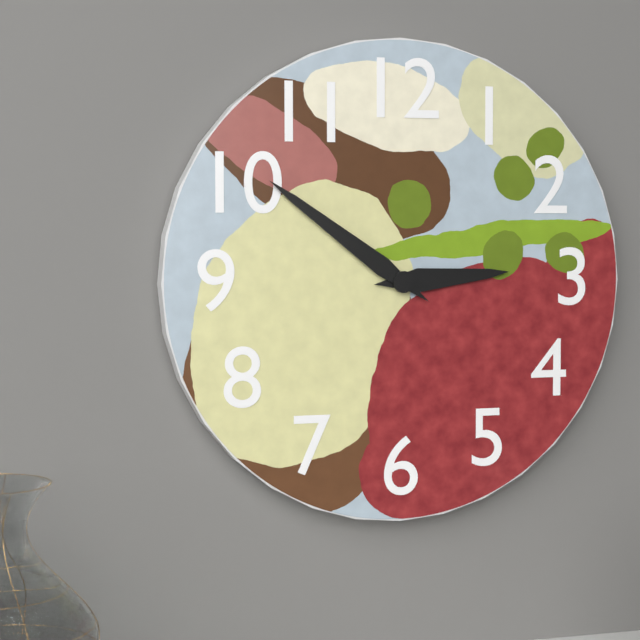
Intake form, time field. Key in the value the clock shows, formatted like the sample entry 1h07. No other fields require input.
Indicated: 2h51
